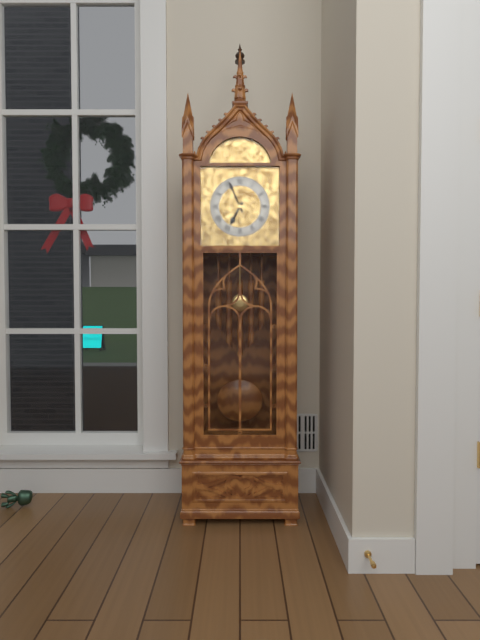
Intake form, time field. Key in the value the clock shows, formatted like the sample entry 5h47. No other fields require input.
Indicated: 6h56
